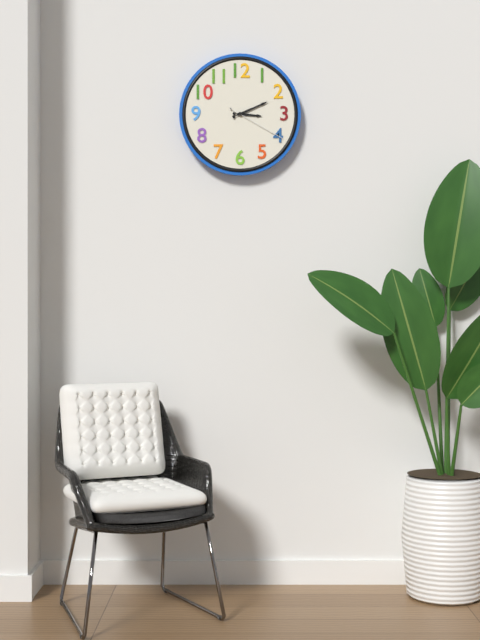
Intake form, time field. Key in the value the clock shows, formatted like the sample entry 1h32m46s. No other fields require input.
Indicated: 3h11m20s
